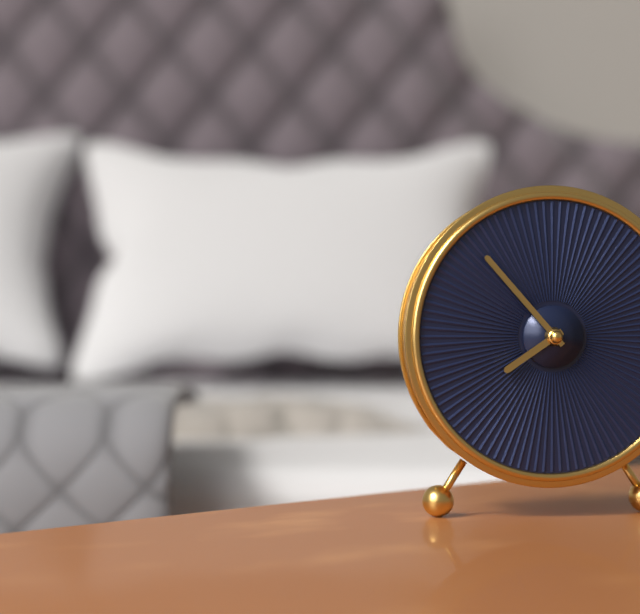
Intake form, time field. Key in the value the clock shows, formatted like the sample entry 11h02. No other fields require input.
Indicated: 7h53
